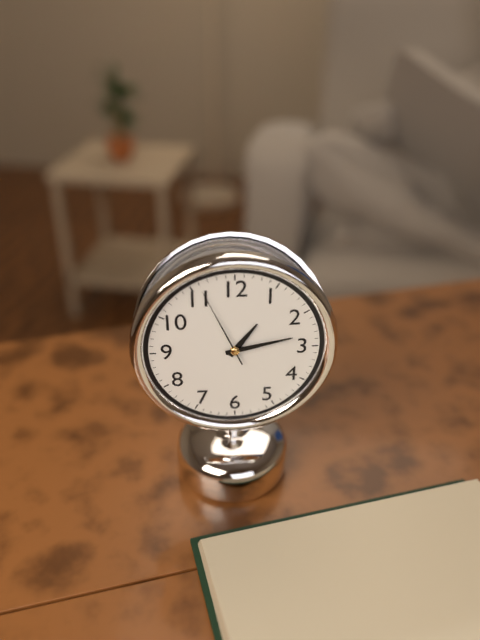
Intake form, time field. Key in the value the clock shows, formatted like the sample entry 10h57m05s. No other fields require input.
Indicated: 1h13m56s
